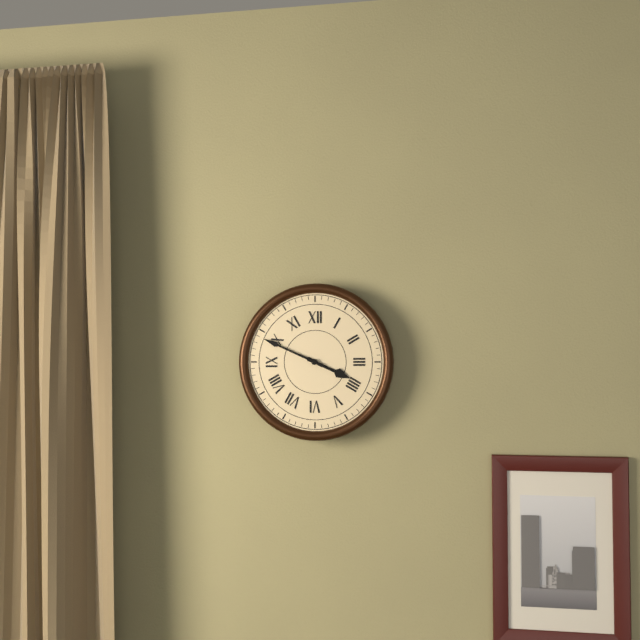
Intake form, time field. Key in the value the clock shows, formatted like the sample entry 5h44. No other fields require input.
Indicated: 3h49
